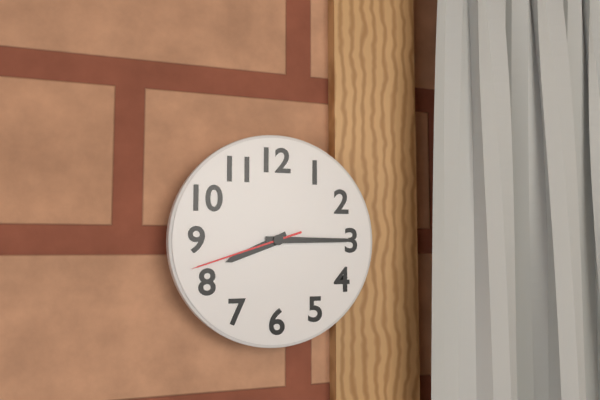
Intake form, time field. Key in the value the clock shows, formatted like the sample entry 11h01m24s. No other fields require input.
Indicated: 8h15m42s
